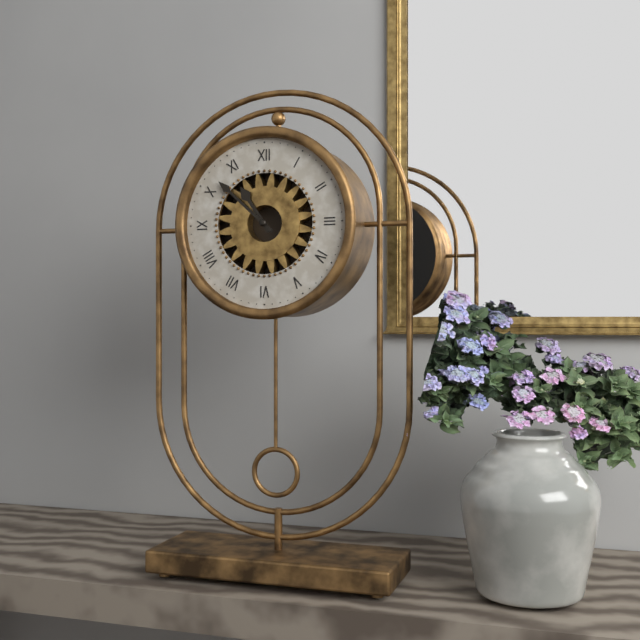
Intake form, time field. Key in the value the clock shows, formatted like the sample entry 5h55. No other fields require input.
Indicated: 10h52
